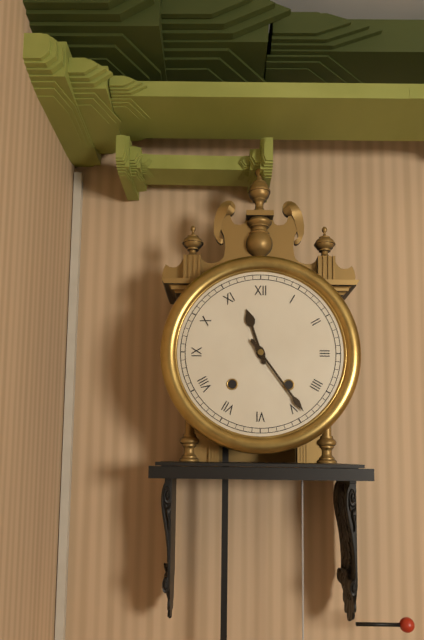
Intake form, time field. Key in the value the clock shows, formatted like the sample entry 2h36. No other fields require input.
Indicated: 11h24
